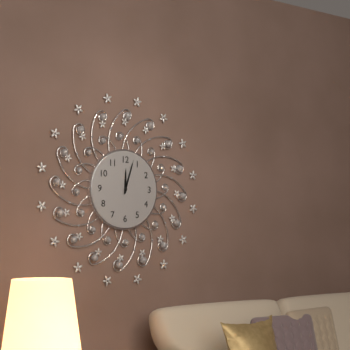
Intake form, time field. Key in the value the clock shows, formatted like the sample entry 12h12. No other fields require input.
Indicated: 12h03
